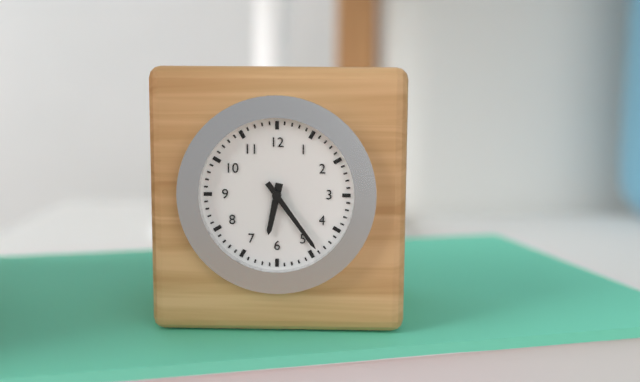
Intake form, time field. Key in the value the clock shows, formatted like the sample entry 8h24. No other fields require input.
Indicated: 6h24
